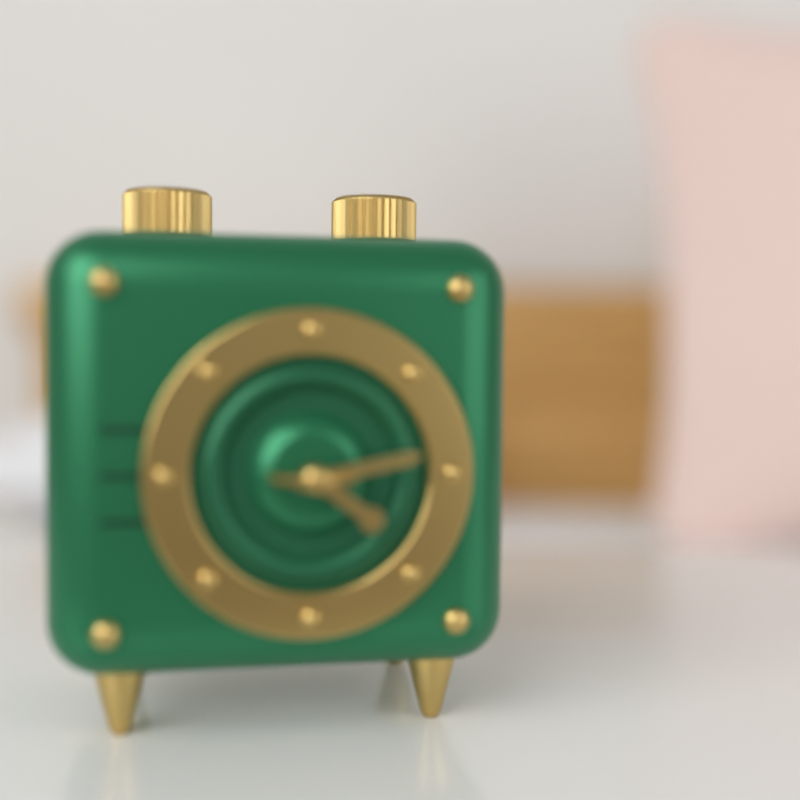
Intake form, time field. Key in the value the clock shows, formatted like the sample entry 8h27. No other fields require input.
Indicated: 4h13
